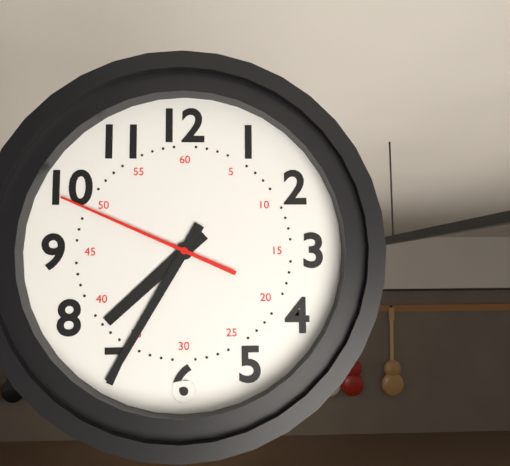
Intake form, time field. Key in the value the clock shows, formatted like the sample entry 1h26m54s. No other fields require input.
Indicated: 7h35m49s
